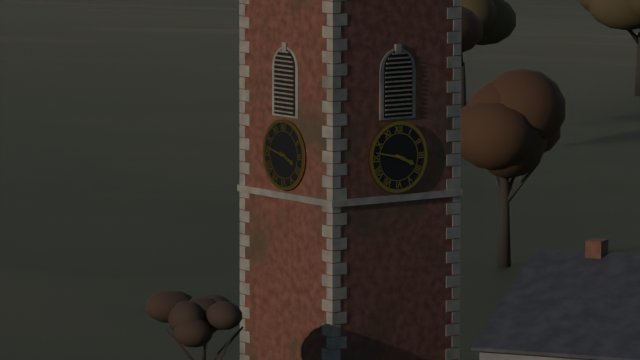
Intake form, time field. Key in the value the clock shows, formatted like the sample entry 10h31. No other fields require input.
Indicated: 3h47
